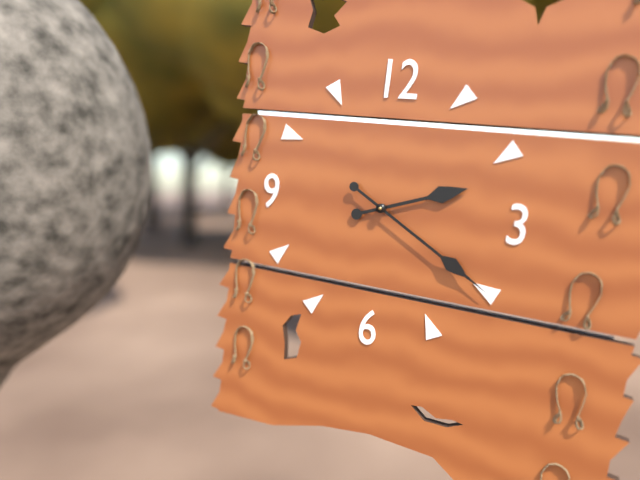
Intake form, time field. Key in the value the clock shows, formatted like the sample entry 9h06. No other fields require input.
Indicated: 2h20
